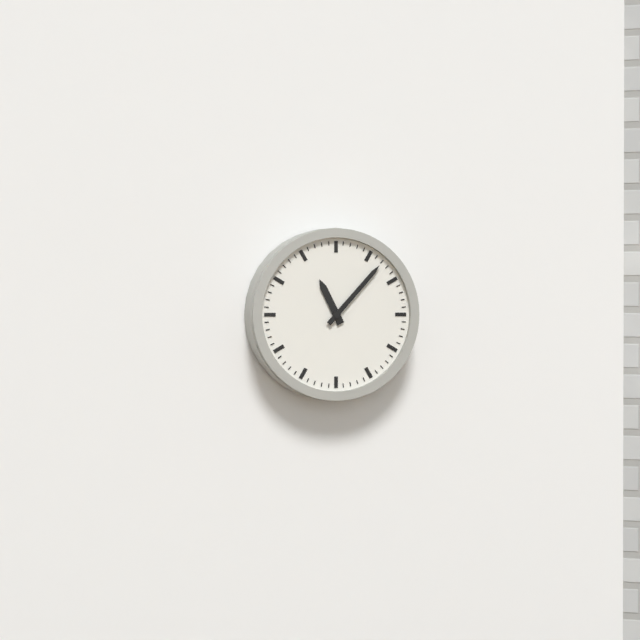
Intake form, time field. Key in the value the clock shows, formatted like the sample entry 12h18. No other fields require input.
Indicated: 11h07
